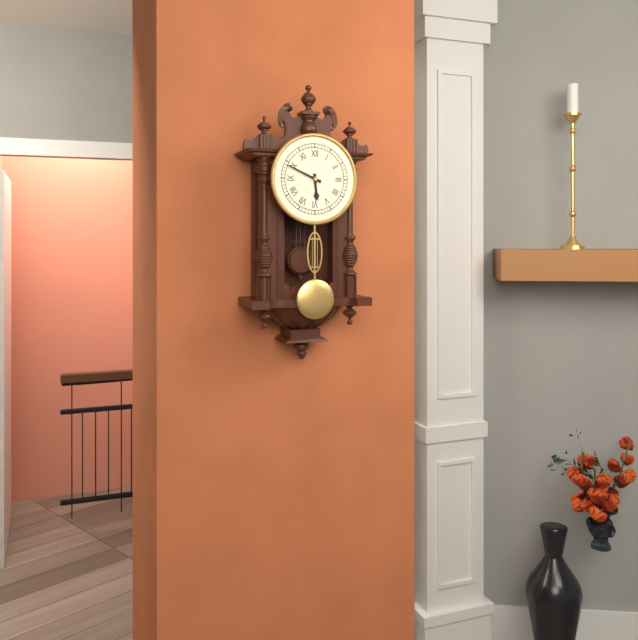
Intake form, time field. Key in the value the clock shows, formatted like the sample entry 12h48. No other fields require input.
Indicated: 5h49
